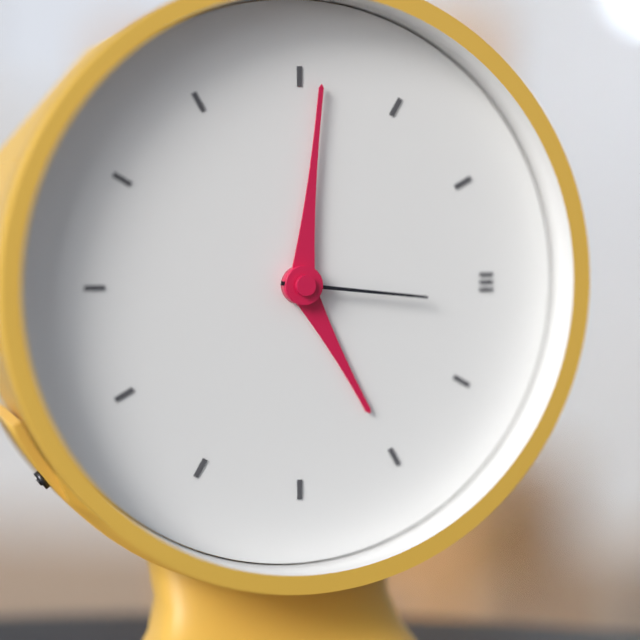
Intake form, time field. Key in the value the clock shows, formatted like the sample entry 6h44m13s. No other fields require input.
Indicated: 5h01m16s
